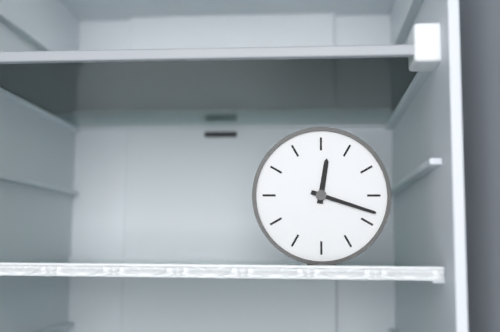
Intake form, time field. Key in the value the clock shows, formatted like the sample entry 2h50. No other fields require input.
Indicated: 12h18
